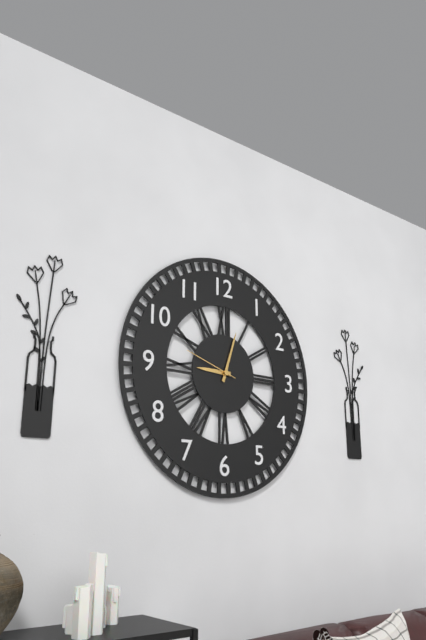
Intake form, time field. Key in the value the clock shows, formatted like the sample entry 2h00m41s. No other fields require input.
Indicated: 9h03m48s
